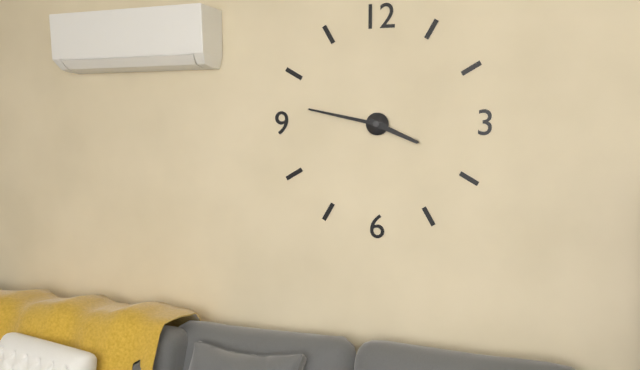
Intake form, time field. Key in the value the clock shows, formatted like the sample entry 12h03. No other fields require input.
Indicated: 3h47
